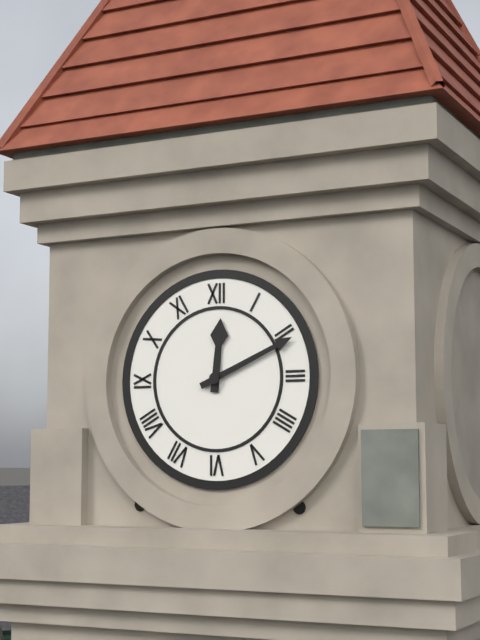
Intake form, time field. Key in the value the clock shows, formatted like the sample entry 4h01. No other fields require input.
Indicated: 12h11
